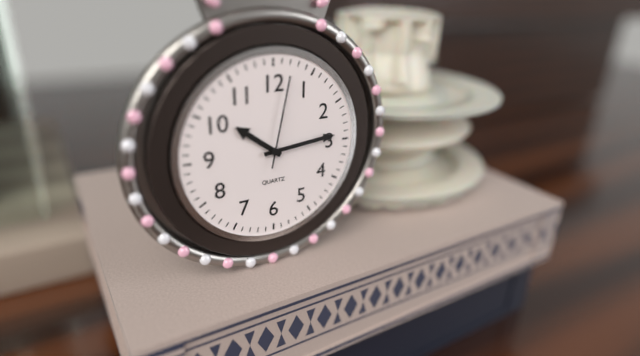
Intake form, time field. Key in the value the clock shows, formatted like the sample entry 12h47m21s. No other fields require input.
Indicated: 10h14m02s
